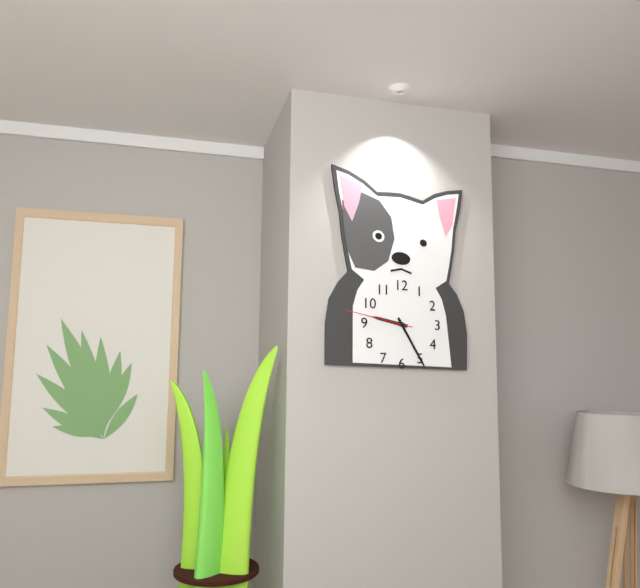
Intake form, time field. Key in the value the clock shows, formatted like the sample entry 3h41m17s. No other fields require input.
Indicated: 9h25m47s
